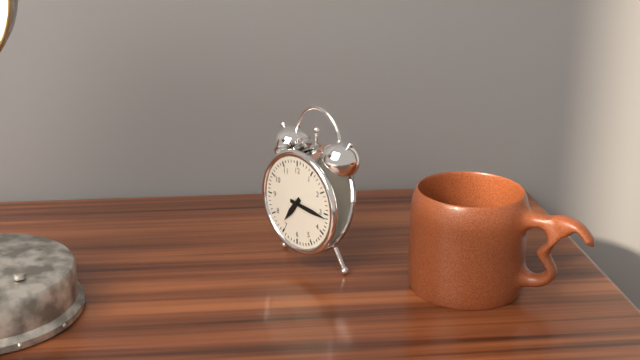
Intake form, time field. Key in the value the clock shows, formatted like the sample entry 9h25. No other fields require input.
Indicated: 7h16
